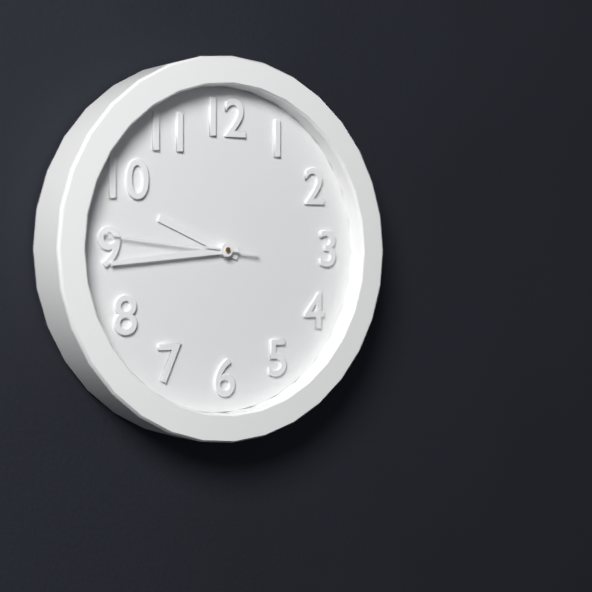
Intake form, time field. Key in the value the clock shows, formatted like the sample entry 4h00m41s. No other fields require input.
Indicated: 9h44m46s
